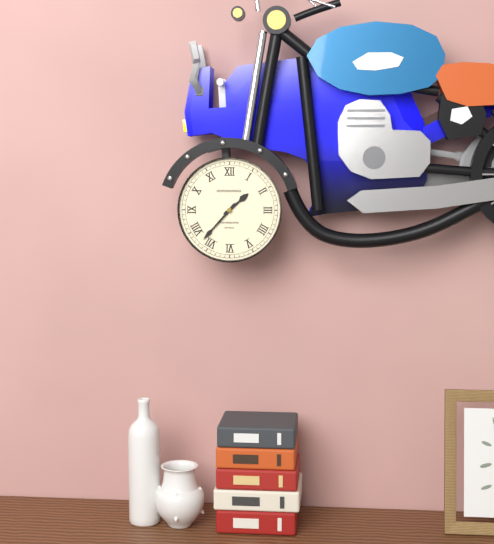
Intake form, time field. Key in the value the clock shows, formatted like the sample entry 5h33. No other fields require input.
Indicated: 1h37
